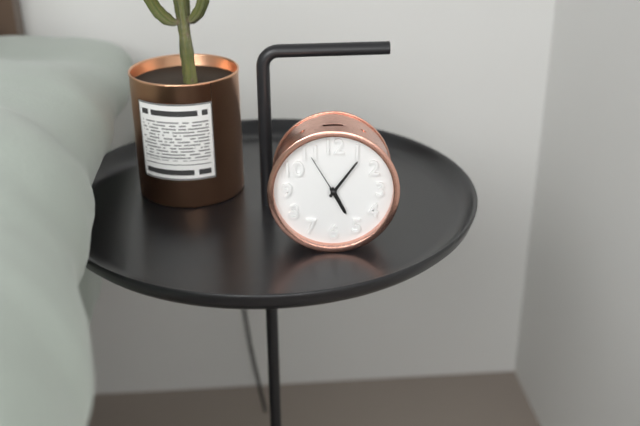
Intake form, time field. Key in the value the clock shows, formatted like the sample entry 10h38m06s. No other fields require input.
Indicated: 5h06m55s
